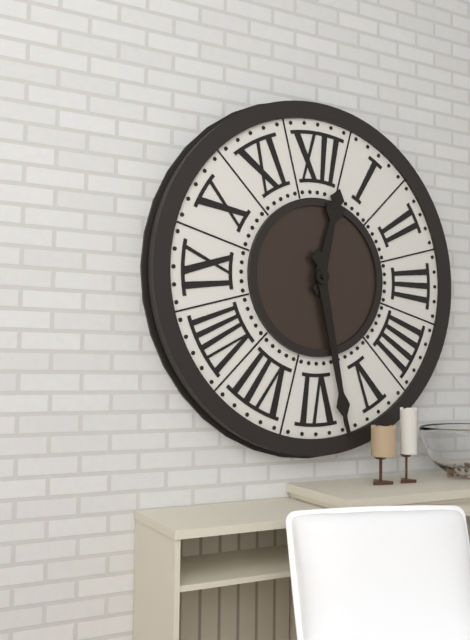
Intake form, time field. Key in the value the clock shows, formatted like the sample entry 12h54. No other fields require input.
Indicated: 12h28
